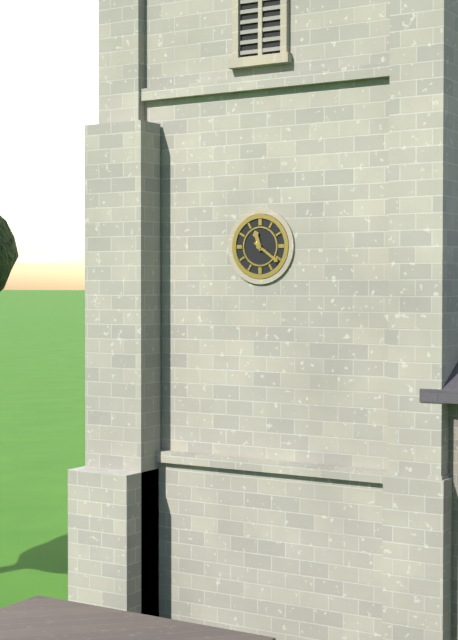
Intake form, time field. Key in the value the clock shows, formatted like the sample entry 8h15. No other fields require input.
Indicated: 11h21
